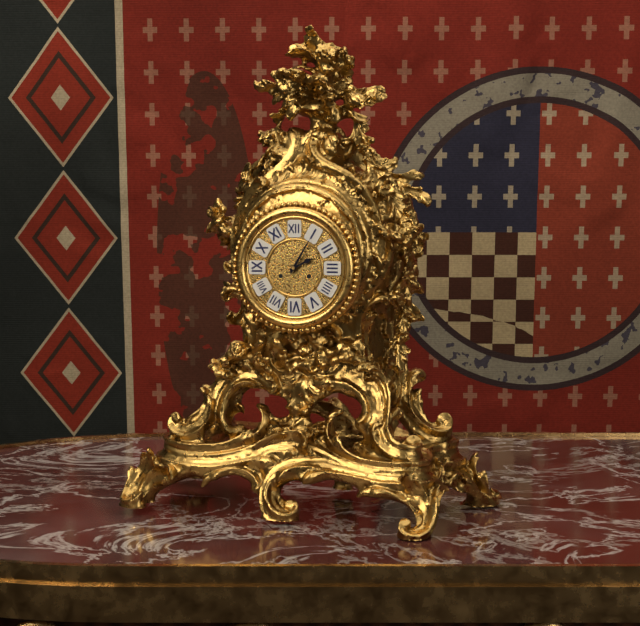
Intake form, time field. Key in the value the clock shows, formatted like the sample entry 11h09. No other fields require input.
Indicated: 2h05
